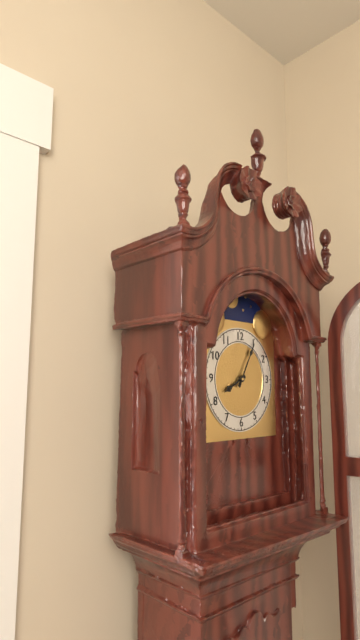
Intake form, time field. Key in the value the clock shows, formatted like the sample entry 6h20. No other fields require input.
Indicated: 8h05
